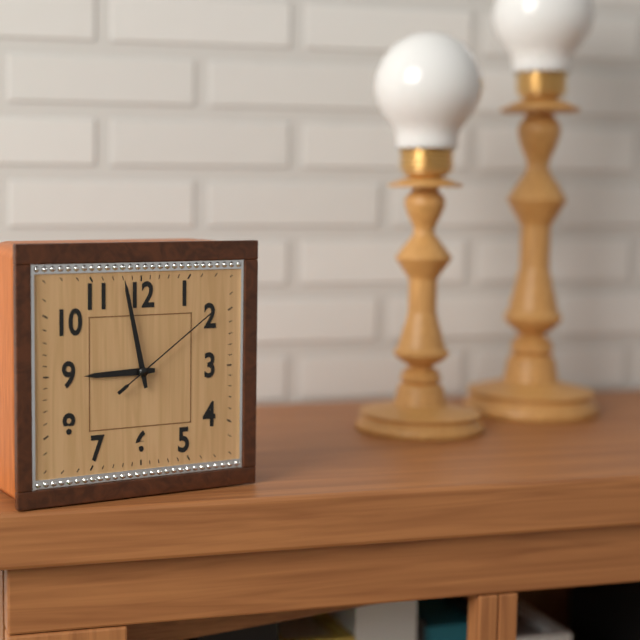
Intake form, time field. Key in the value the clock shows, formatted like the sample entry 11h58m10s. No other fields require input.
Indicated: 8h58m09s
